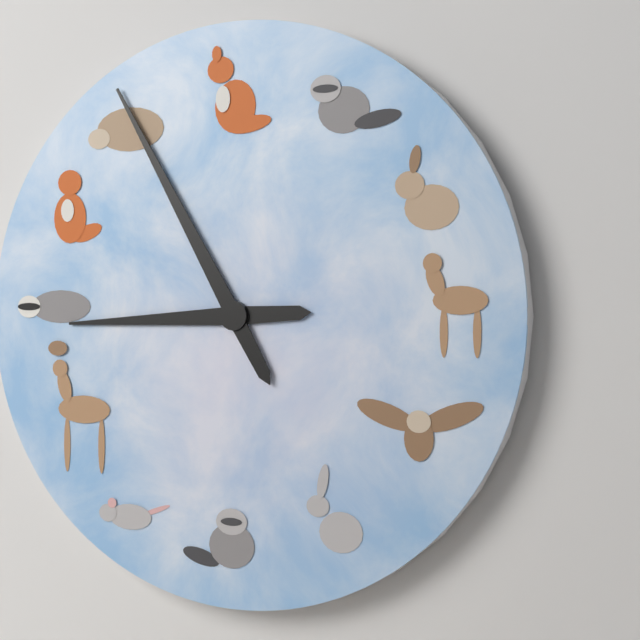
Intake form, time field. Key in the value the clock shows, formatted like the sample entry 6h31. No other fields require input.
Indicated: 8h55
